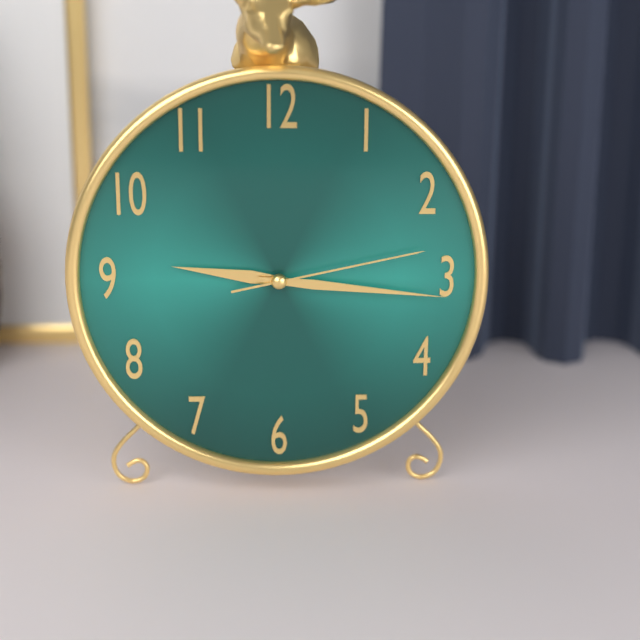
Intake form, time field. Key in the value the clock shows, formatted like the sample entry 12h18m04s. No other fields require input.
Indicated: 9h16m13s
